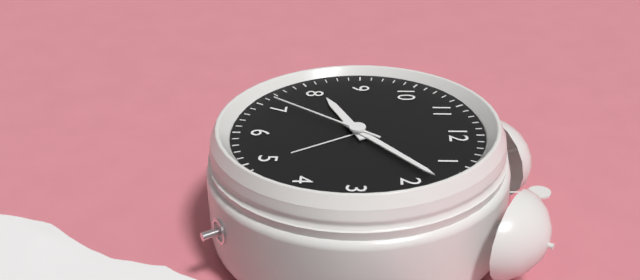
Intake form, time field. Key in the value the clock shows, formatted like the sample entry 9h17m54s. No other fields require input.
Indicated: 8h08m36s
